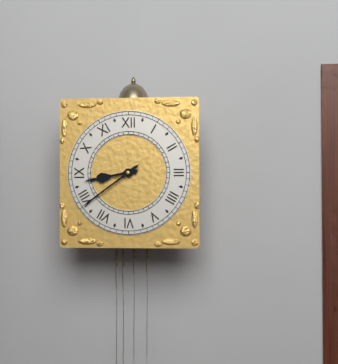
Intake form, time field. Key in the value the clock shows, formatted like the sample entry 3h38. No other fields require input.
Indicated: 8h39
